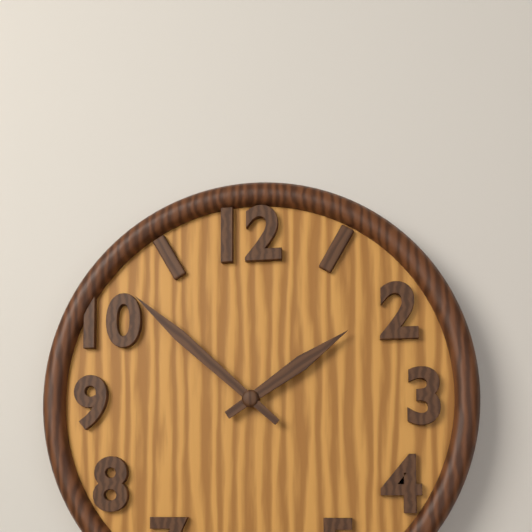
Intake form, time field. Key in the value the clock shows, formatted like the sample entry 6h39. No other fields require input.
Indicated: 1h52
